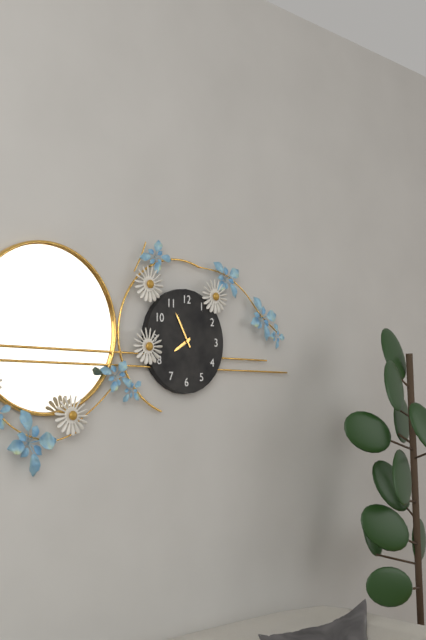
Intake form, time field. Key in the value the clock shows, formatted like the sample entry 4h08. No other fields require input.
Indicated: 7h55
